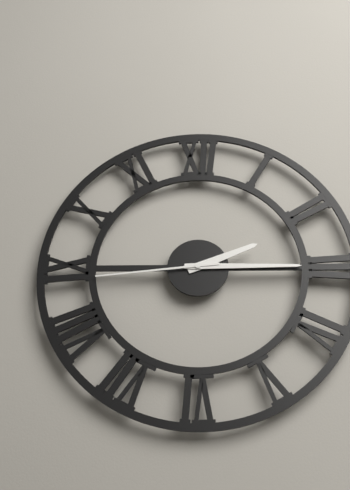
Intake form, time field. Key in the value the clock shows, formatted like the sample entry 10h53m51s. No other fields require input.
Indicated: 2h15m44s
